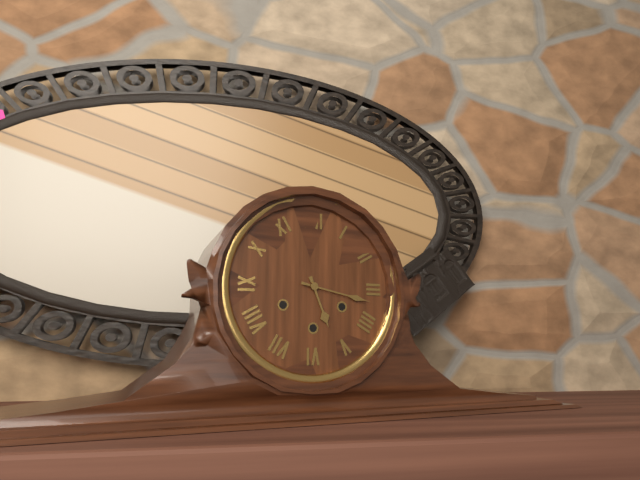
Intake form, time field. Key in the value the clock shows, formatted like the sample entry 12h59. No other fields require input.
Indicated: 5h17
